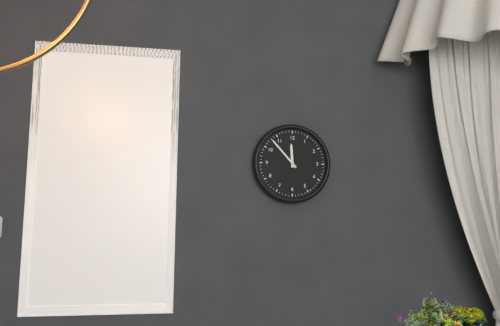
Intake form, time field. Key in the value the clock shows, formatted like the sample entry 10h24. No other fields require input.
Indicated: 11h53
